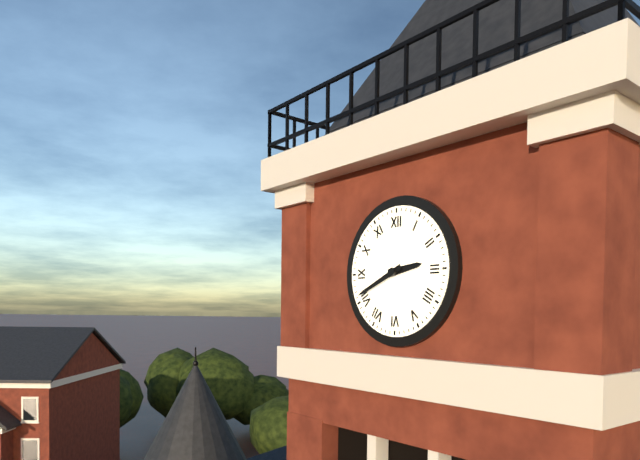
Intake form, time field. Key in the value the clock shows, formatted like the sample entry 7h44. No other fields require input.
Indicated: 2h41
